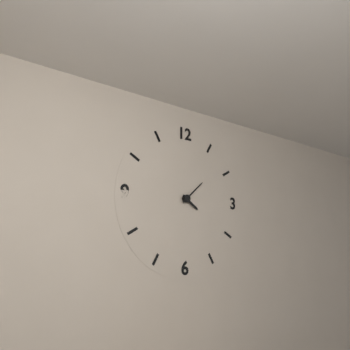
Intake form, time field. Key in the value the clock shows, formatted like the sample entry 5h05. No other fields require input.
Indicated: 4h08
